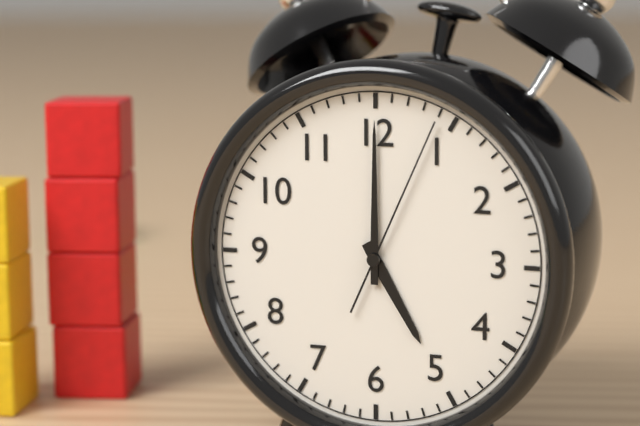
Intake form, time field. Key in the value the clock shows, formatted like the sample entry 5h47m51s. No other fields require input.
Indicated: 5h00m04s
